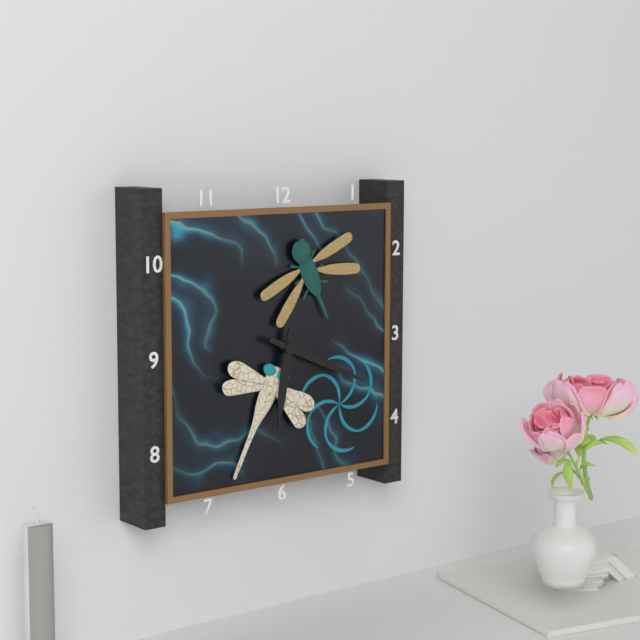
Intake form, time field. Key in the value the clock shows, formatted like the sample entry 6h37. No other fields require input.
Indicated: 6h19
